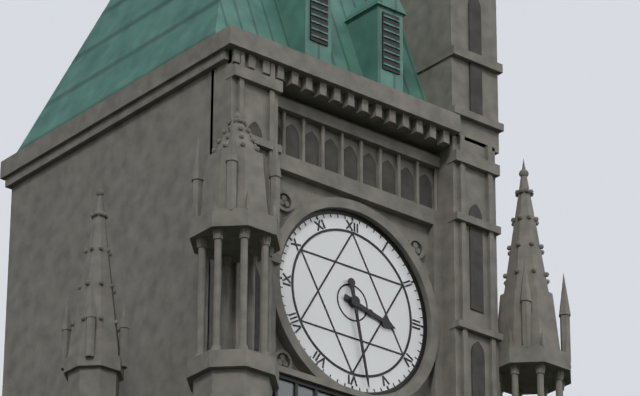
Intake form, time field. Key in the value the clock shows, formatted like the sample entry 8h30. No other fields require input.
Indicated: 3h28
